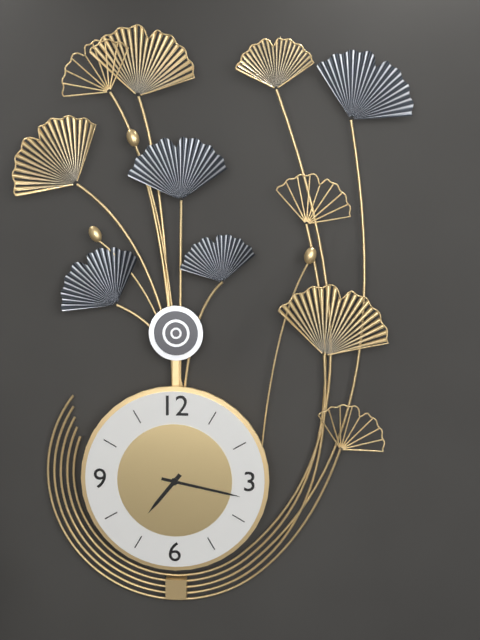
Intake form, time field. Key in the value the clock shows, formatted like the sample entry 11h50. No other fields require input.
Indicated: 7h17
